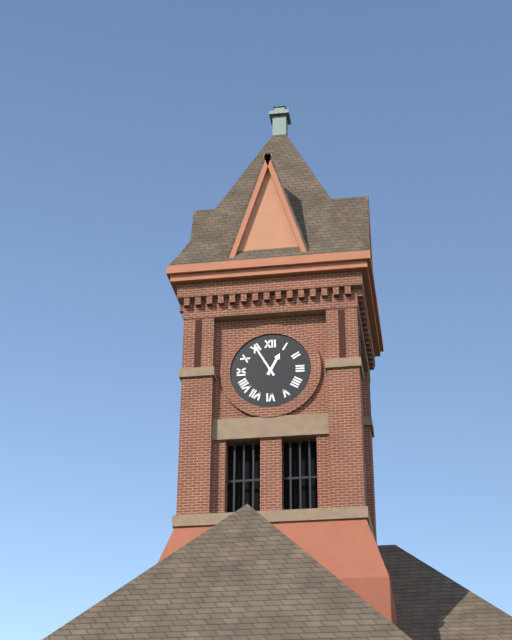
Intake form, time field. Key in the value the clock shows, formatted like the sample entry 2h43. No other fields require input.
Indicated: 12h55
